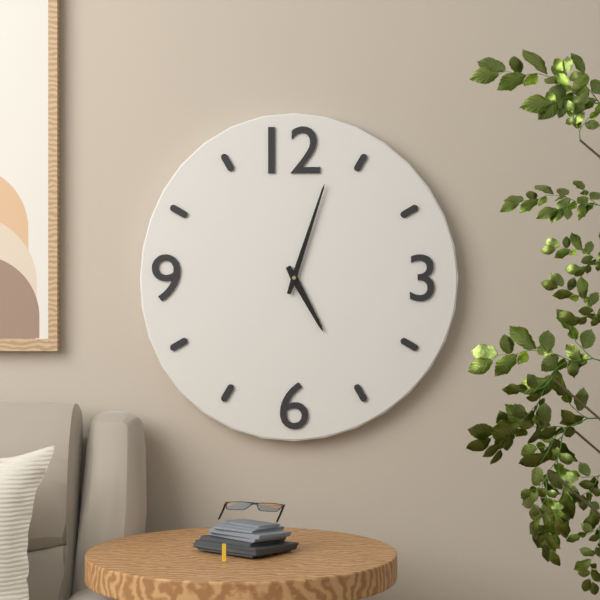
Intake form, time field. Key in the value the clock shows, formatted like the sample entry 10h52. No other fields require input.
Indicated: 5h03
